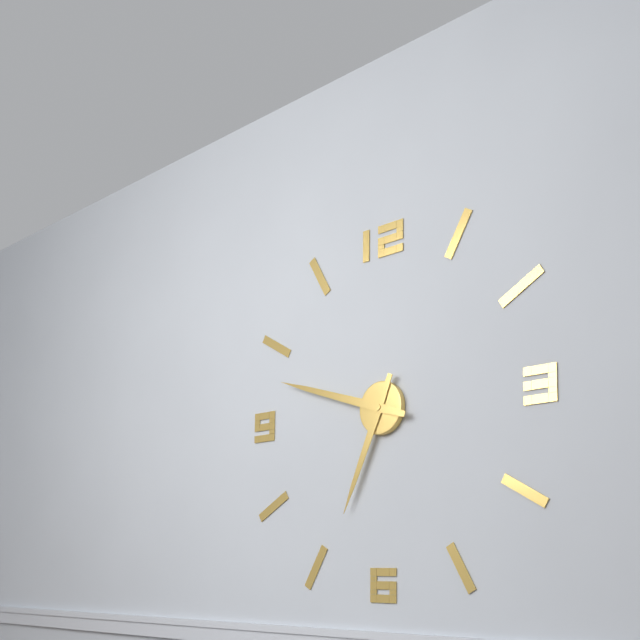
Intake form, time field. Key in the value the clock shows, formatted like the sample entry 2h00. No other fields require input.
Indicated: 6h48
